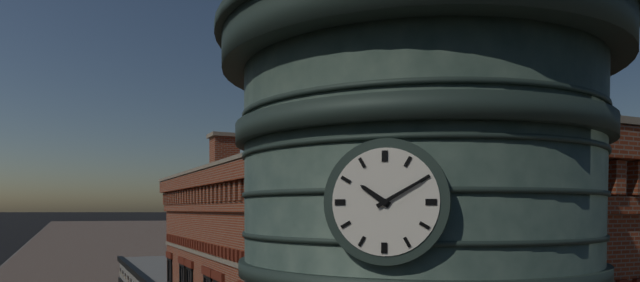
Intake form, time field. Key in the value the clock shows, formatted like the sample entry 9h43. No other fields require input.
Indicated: 10h10
